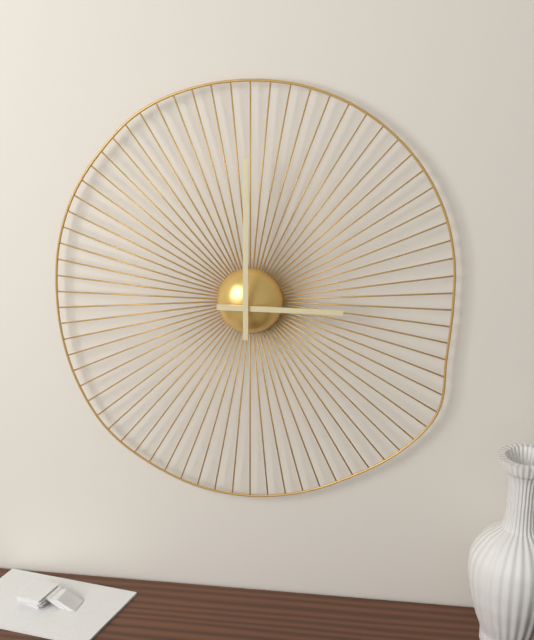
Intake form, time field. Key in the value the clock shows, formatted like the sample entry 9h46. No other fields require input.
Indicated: 3h00
